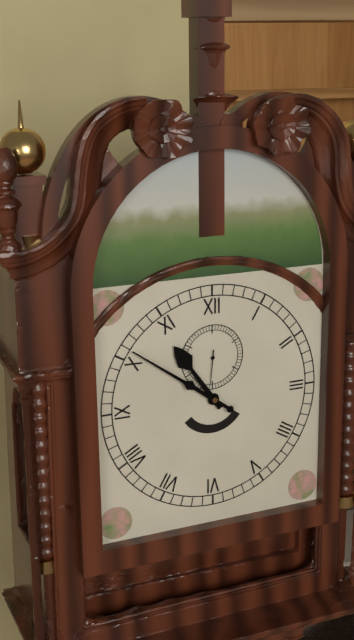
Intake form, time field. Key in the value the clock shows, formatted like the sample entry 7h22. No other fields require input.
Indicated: 10h51
